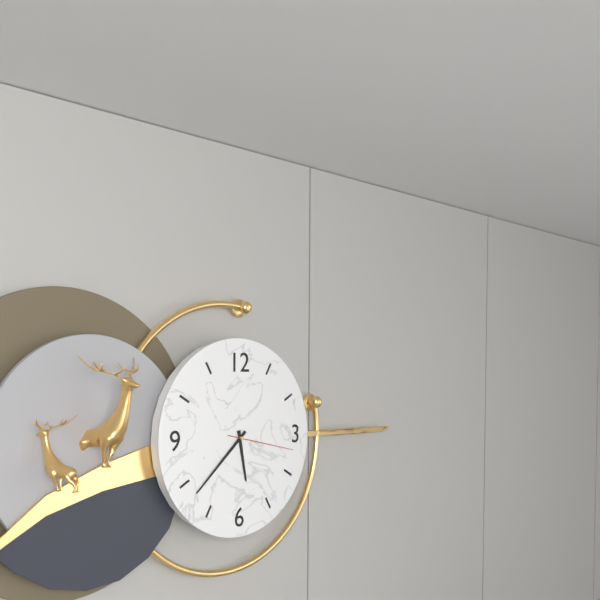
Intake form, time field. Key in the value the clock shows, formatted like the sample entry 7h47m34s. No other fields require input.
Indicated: 5h38m17s
